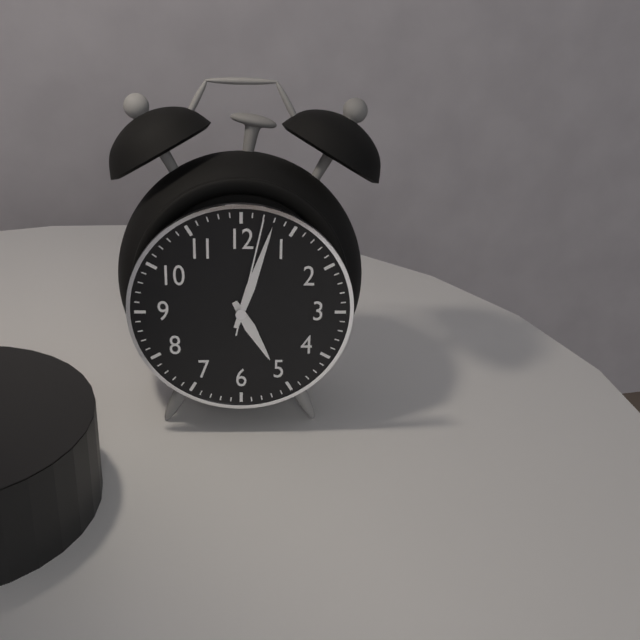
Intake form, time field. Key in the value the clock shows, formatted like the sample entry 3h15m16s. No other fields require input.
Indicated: 5h03m02s
